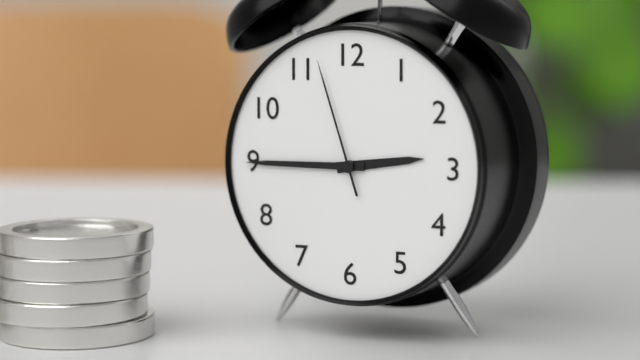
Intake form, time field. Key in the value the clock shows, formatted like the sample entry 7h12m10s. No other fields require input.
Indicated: 2h45m57s
